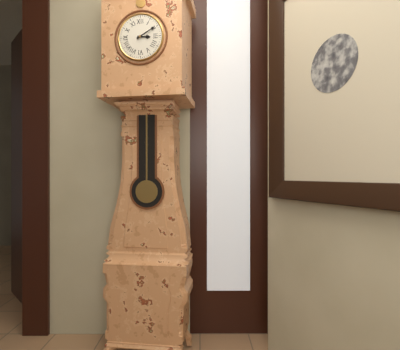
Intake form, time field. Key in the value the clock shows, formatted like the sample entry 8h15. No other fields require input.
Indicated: 3h10
